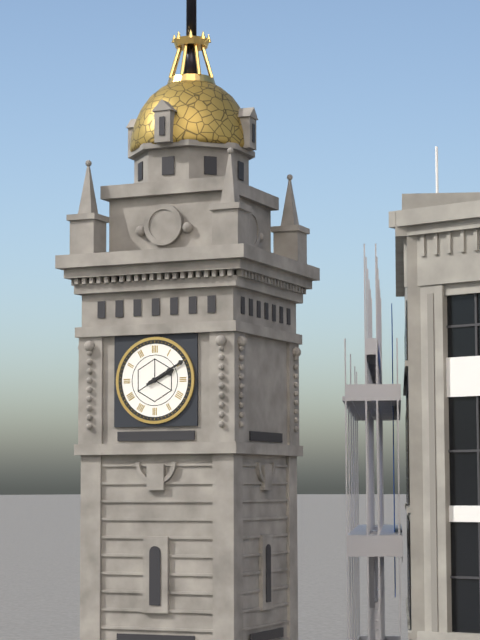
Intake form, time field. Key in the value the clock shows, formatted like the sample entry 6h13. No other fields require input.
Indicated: 2h10
